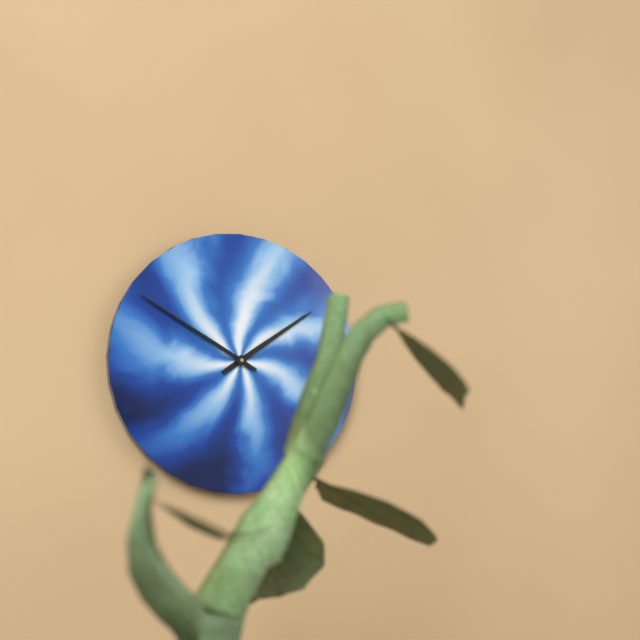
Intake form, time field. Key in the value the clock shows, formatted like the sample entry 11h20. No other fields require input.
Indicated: 1h50
